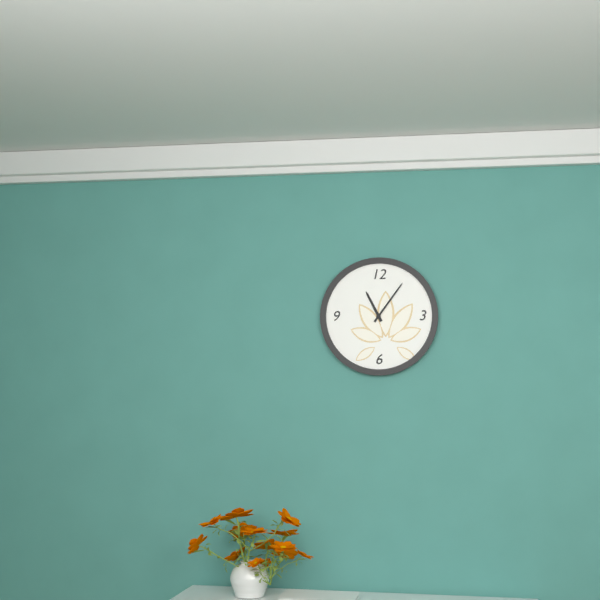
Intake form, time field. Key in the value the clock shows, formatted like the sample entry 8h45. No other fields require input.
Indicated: 11h06
